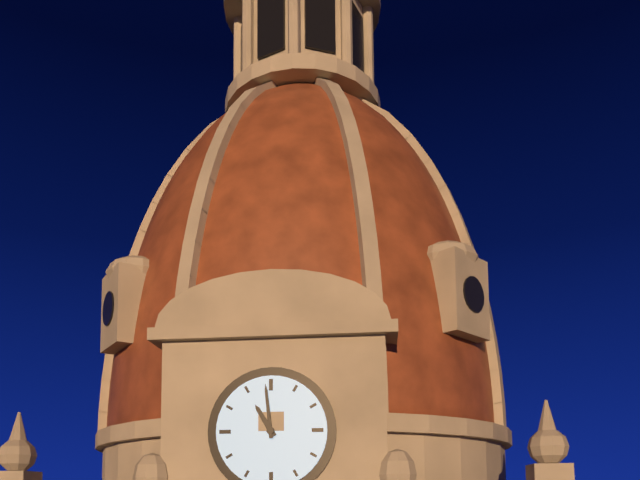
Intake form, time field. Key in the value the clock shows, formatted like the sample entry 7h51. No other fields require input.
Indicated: 10h59
